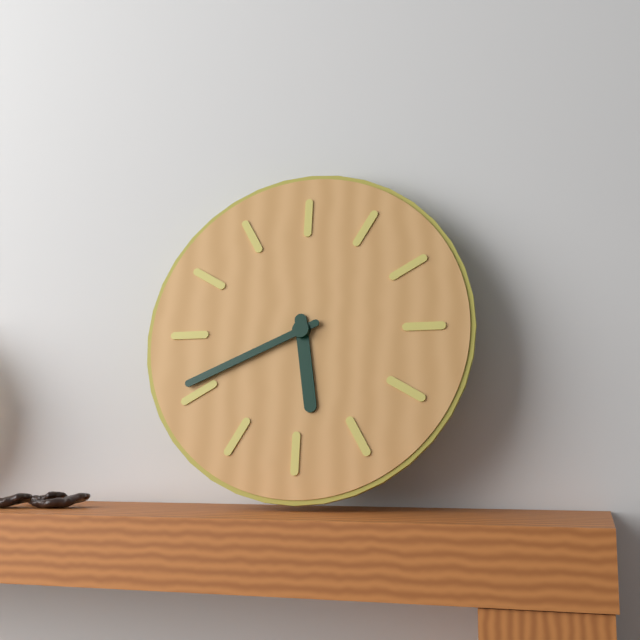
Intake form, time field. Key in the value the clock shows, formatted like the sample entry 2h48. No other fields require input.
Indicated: 5h41
